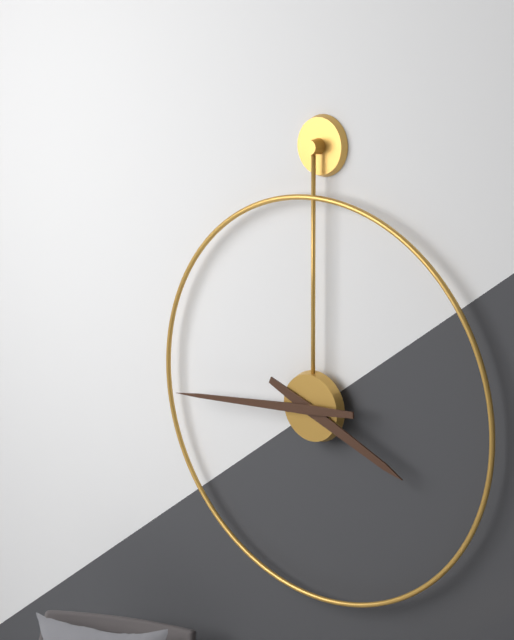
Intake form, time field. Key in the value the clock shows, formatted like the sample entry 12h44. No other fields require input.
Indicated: 3h44
